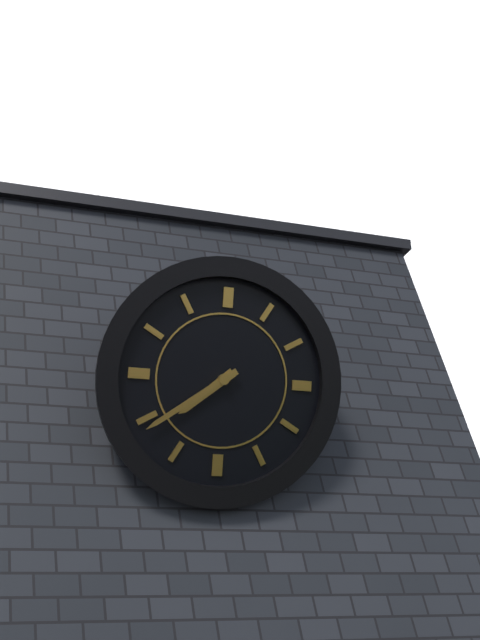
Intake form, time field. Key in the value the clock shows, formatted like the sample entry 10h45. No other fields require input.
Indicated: 7h39
